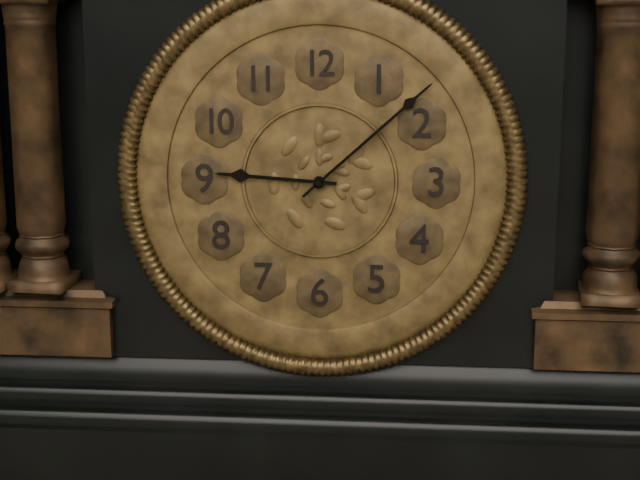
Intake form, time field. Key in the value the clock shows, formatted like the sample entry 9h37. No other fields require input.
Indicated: 9h08
